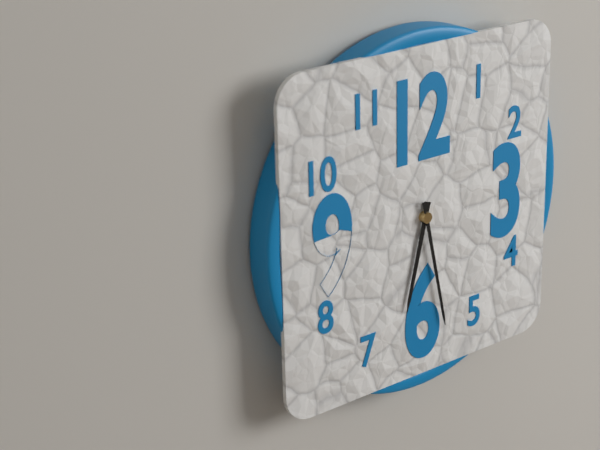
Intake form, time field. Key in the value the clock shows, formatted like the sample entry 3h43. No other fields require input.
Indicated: 6h28
